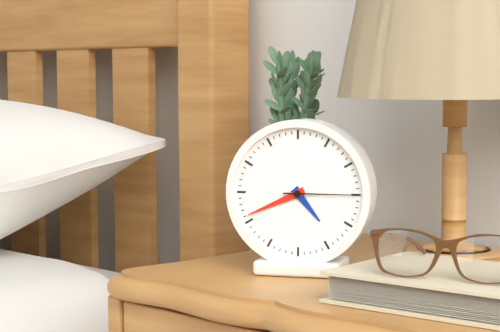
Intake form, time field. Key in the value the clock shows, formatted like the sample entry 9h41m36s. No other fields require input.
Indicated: 4h41m15s
